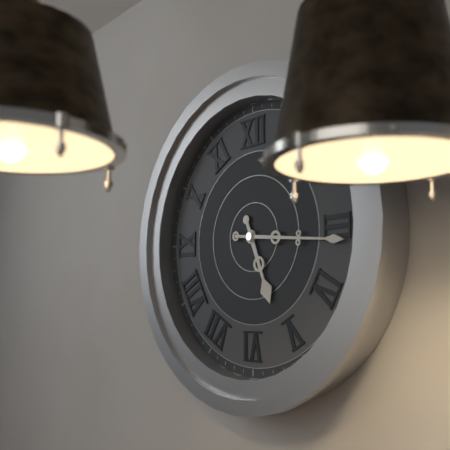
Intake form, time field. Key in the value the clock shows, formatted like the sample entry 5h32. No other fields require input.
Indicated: 5h16
